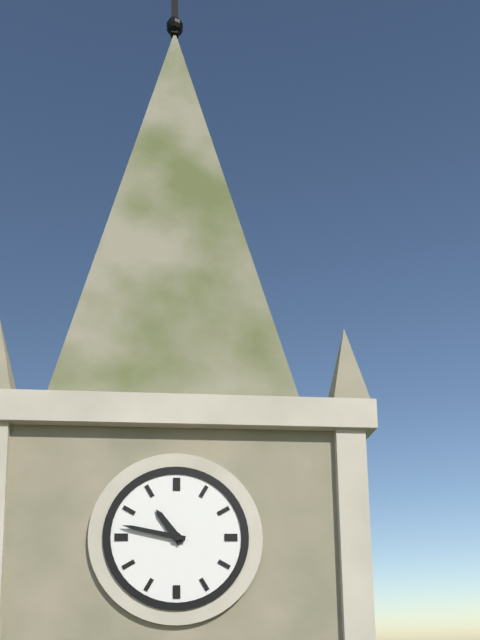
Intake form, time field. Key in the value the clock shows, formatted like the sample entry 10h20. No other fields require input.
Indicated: 10h47
